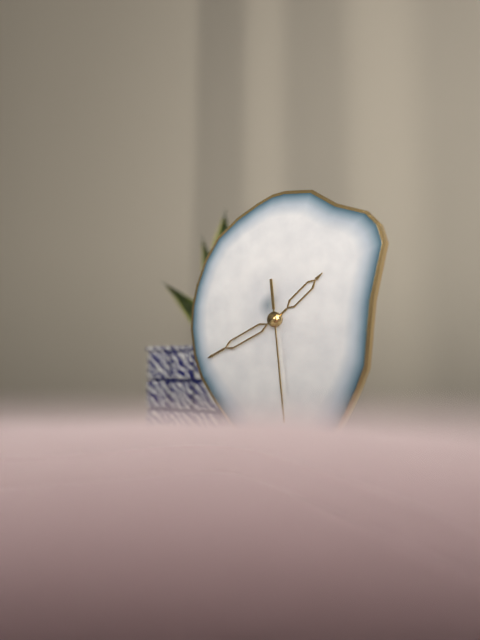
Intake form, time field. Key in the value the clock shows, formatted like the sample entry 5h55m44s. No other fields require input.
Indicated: 1h41m29s
